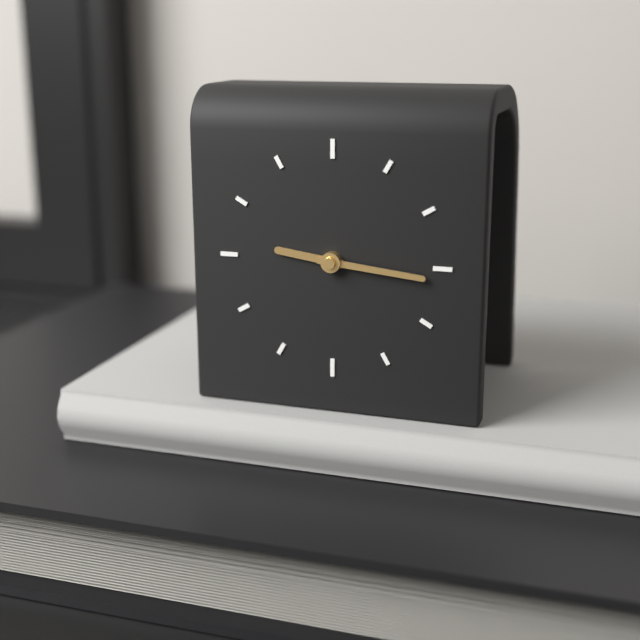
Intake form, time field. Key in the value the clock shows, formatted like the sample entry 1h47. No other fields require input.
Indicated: 9h16
